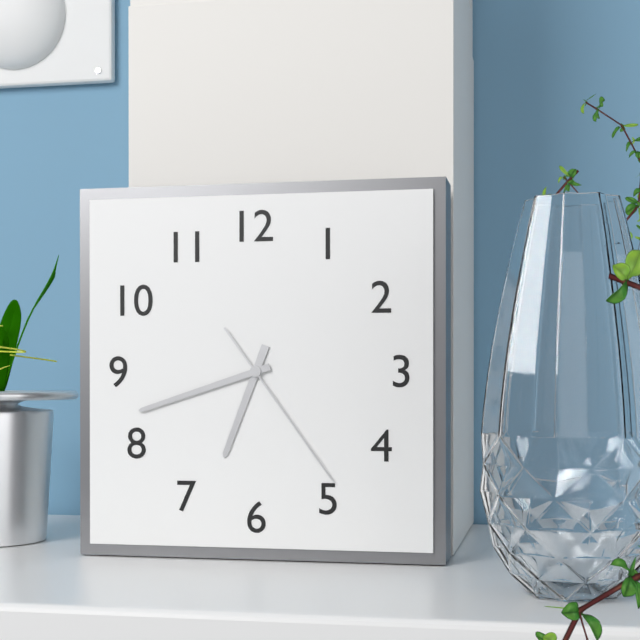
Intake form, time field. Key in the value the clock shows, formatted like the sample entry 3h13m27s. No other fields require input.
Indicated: 6h42m24s
